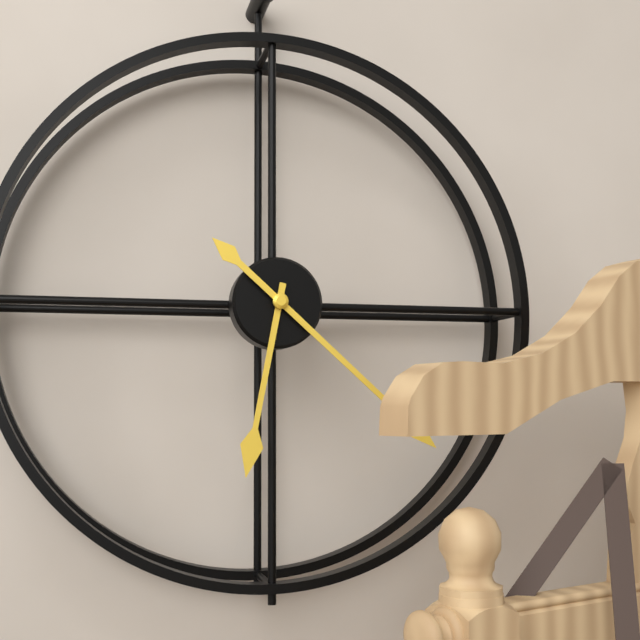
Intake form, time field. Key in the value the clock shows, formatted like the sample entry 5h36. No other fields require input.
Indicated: 6h22
